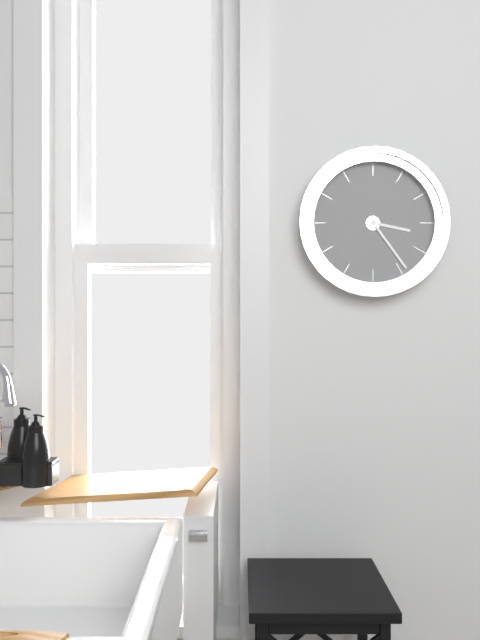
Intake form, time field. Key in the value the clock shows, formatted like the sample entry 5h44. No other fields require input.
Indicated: 3h24
